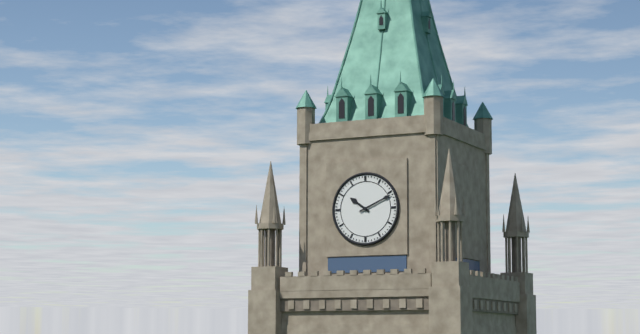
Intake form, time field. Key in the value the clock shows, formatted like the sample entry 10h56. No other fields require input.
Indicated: 10h11
